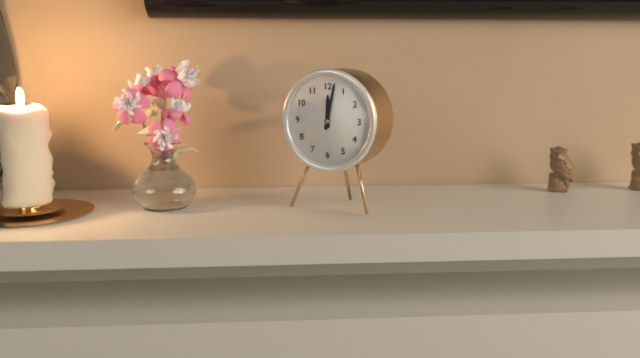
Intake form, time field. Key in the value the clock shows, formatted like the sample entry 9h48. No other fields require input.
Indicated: 12h02
